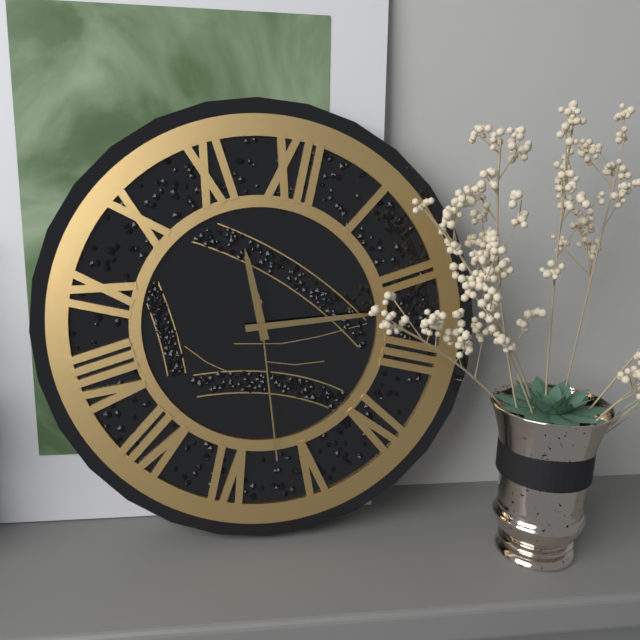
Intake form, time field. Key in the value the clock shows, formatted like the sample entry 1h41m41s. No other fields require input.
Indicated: 11h12m27s
